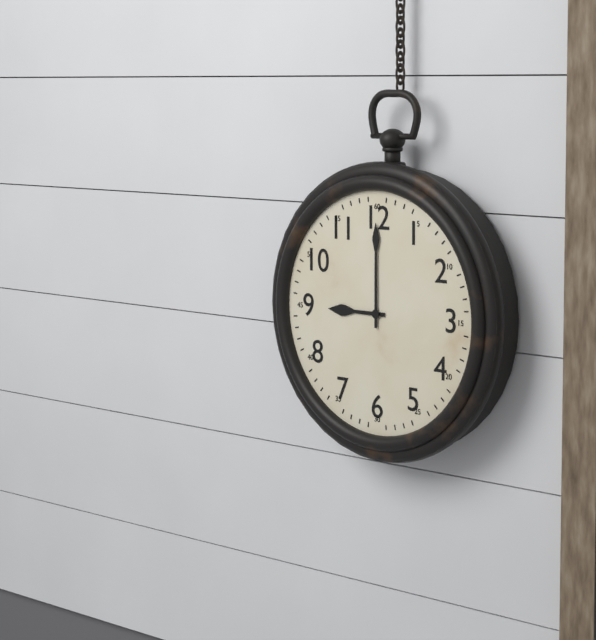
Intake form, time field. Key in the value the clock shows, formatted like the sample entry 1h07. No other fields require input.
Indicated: 9h00
